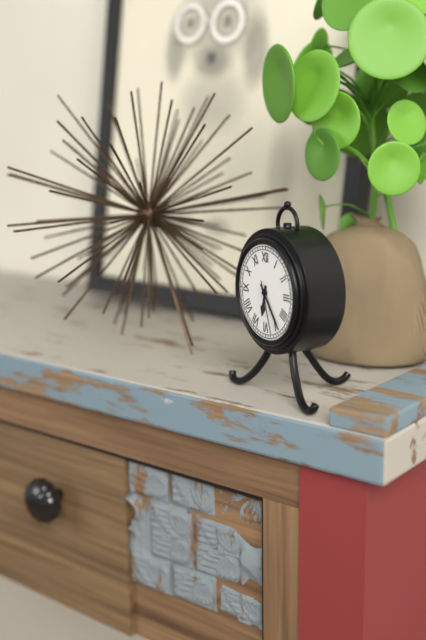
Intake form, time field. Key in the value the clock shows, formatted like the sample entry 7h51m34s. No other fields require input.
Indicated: 6h24m27s
